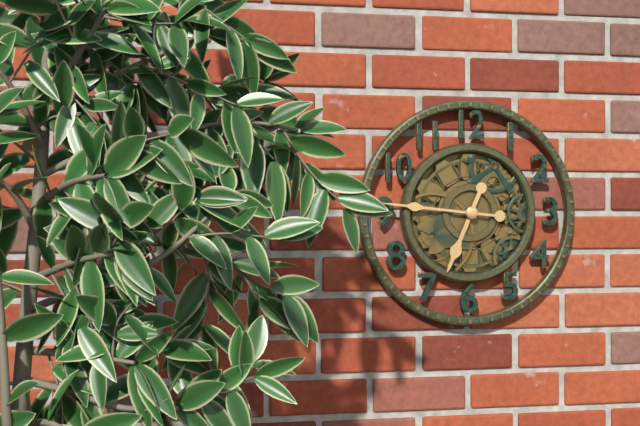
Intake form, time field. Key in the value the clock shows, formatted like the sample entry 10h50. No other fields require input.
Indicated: 6h46
